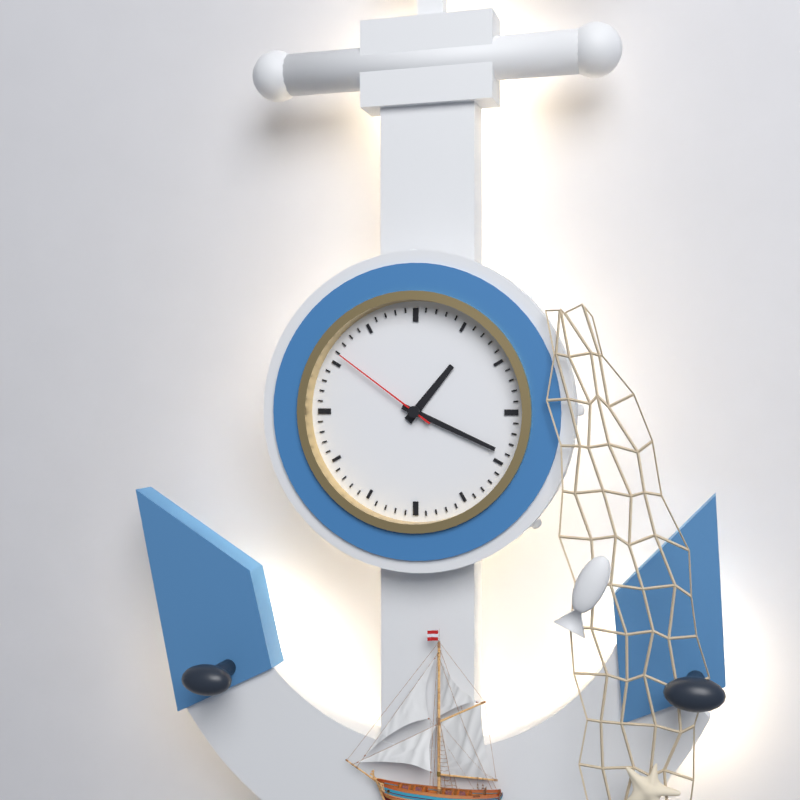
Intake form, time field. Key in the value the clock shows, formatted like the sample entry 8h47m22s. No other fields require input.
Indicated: 1h19m51s
